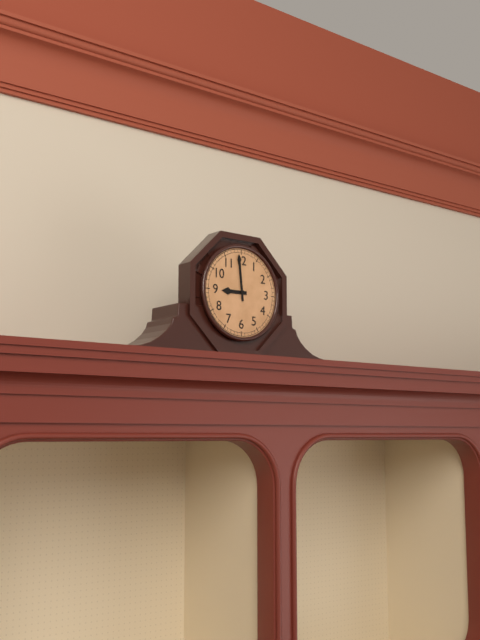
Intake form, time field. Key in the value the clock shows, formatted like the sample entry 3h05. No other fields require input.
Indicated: 8h59
